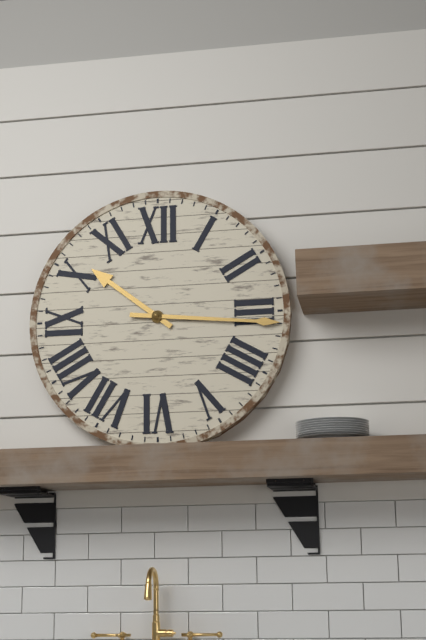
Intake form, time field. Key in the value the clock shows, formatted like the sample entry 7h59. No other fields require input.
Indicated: 10h16
